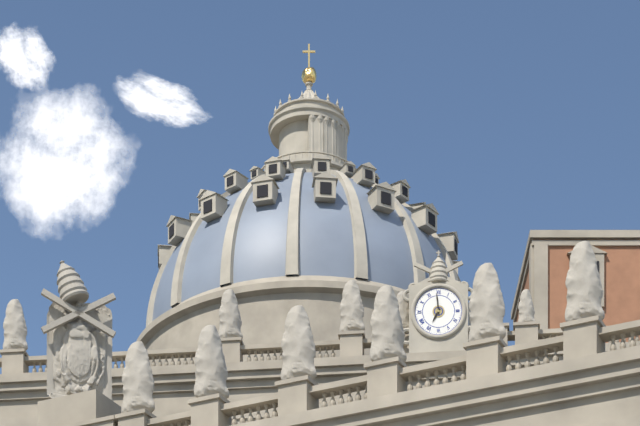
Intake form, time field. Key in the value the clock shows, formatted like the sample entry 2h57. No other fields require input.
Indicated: 6h59
